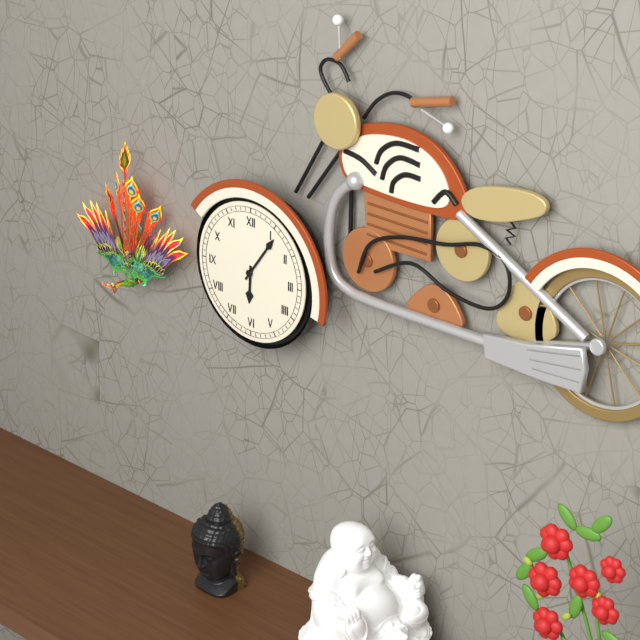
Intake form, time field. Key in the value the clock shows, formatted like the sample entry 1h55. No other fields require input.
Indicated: 6h06
